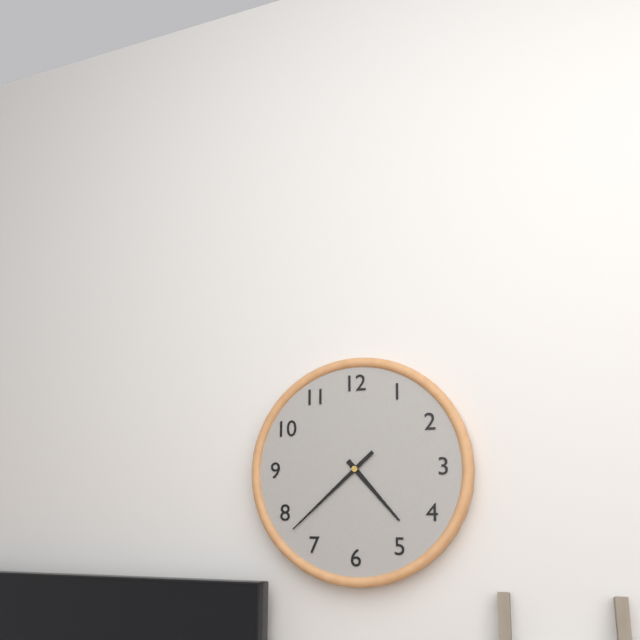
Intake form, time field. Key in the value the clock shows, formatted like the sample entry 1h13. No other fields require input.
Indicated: 4h38
